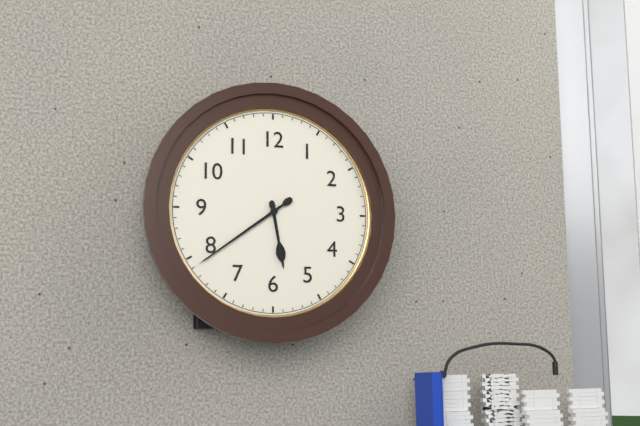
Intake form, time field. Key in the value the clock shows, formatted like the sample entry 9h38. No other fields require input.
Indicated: 5h39
